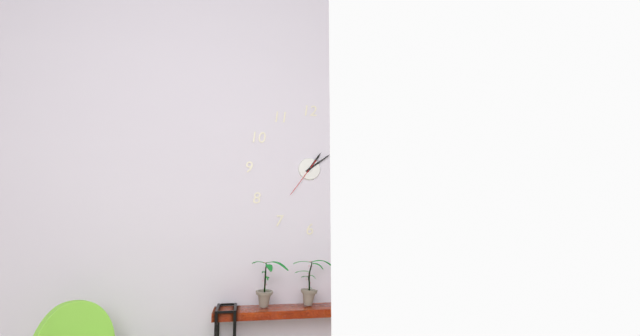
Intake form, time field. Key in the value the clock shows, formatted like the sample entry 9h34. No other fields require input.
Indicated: 1h09
